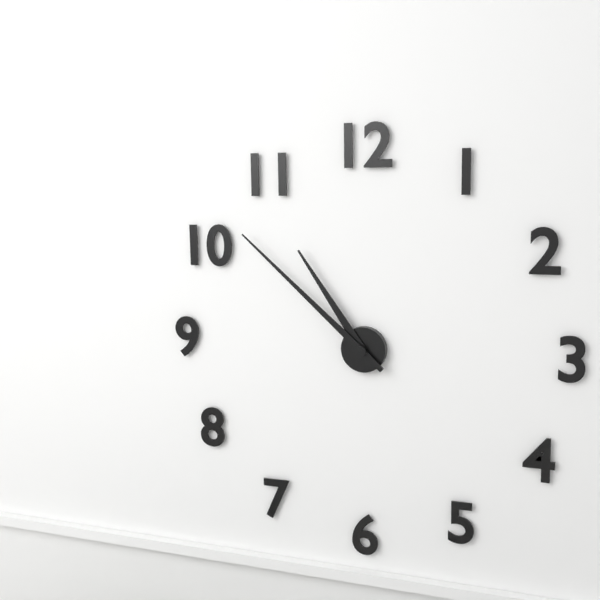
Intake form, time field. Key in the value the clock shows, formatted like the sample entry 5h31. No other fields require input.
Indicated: 10h52
